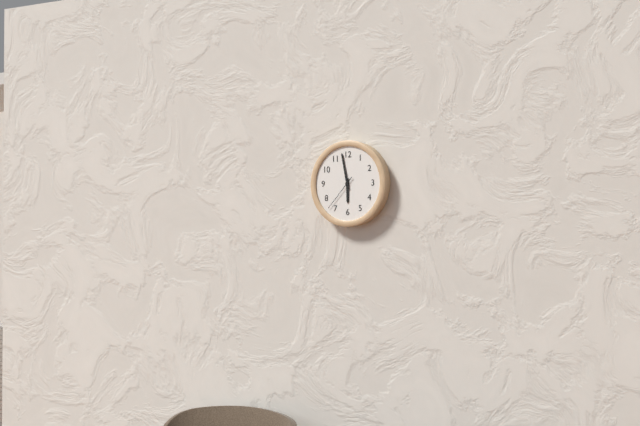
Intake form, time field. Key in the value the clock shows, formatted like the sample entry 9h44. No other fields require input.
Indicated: 5h58
